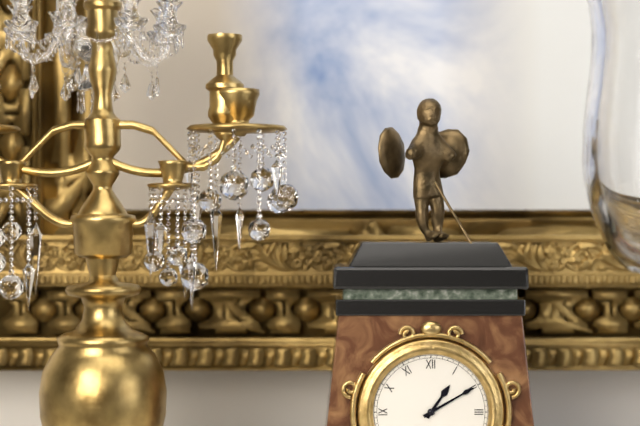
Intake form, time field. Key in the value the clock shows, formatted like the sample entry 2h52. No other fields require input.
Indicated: 1h10
